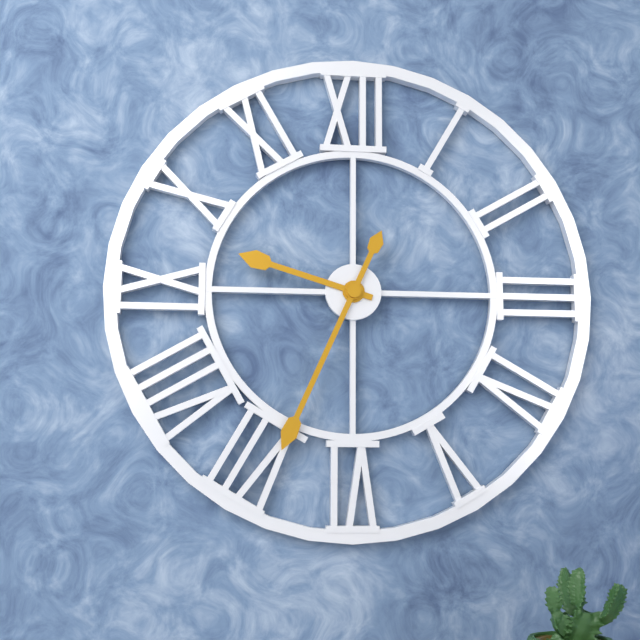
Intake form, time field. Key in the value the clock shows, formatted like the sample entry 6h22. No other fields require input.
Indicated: 9h34
